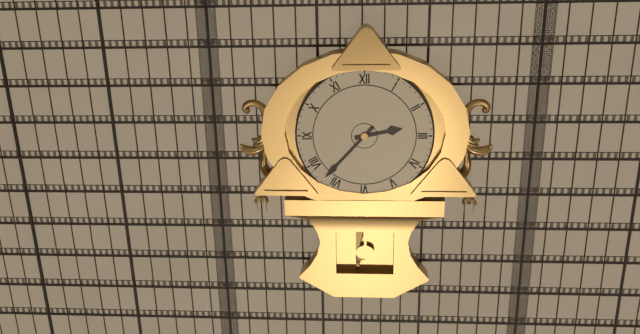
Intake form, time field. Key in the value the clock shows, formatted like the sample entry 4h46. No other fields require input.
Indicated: 2h37
